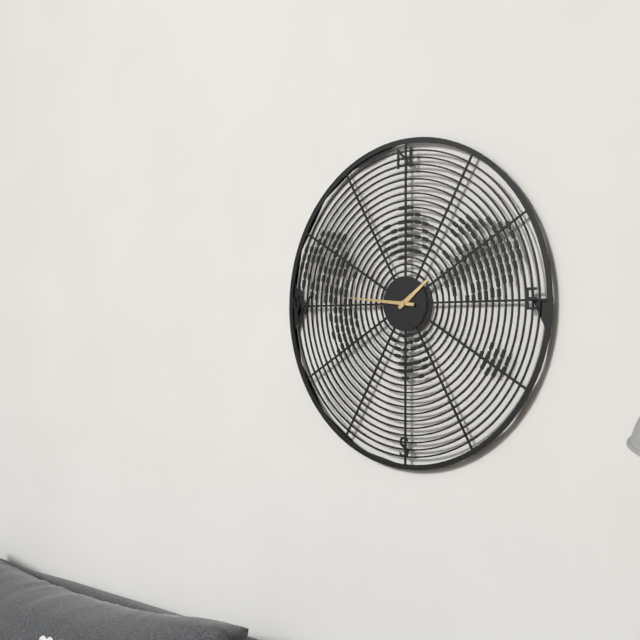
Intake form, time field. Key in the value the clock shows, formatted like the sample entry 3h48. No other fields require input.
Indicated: 1h46
